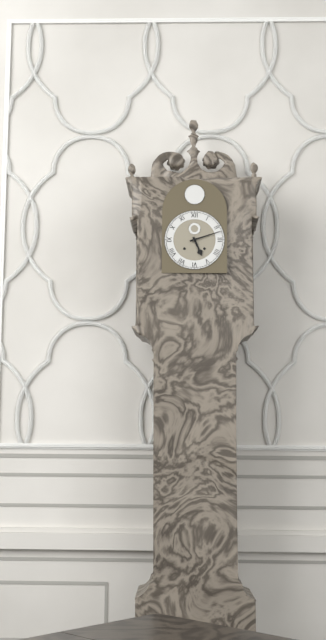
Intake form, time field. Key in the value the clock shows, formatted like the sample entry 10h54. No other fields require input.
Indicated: 5h12
